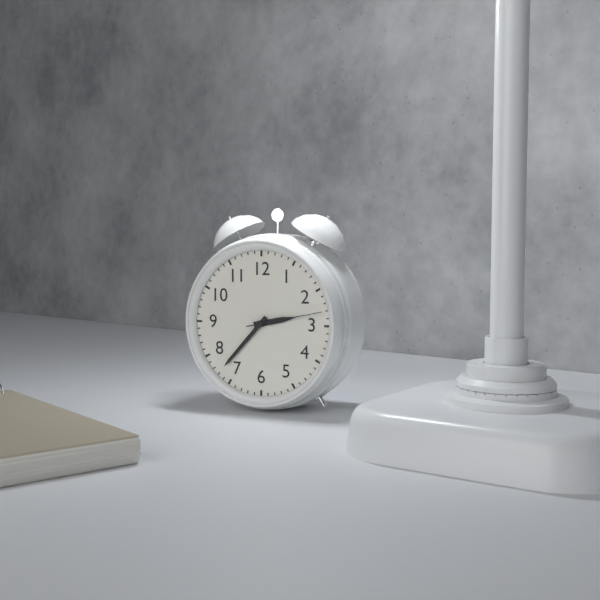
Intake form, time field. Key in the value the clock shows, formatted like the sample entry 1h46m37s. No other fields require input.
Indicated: 2h37m13s
